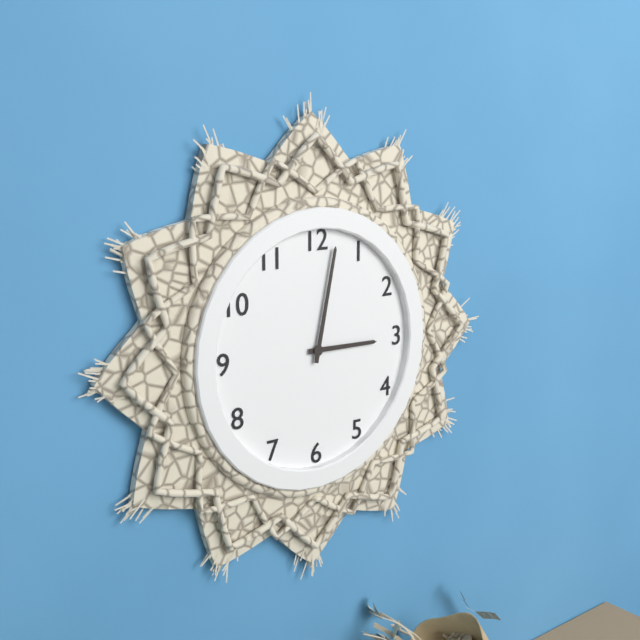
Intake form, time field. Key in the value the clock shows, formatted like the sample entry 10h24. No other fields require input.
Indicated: 3h02
